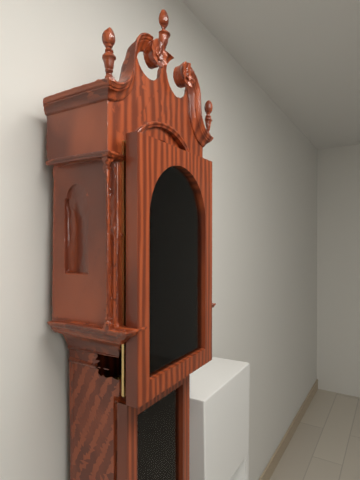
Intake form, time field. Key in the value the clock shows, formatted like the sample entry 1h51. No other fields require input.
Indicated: 12h24
